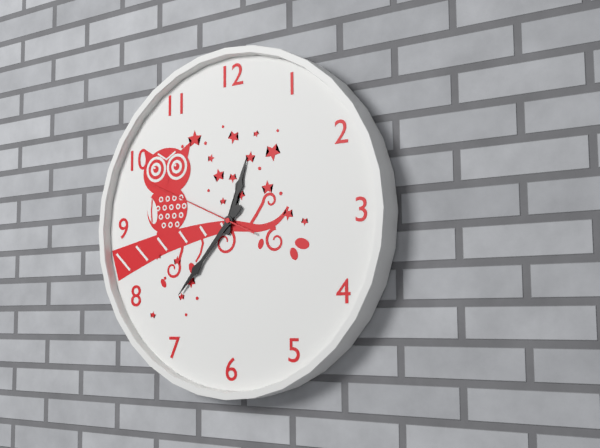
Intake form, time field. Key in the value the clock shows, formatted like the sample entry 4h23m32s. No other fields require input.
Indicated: 12h37m49s
